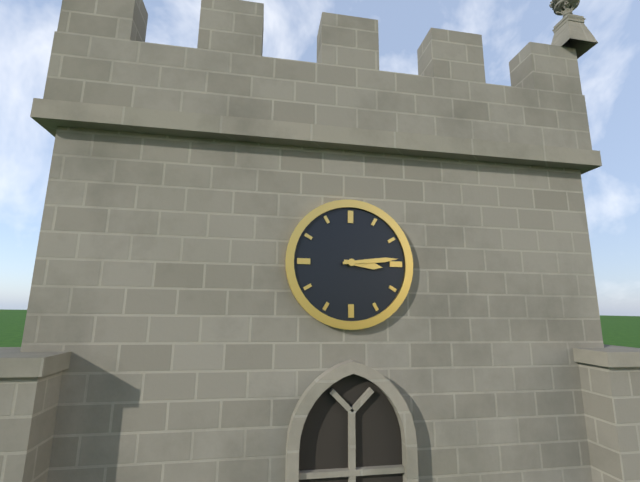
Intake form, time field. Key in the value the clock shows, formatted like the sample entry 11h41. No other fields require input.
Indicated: 3h14
